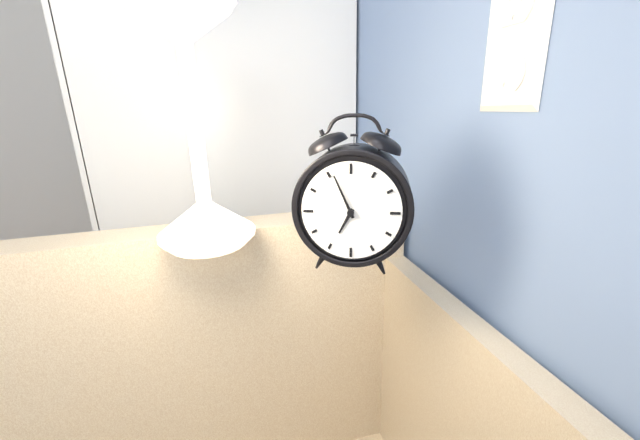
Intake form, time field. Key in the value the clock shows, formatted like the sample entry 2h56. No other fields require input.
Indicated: 6h56
